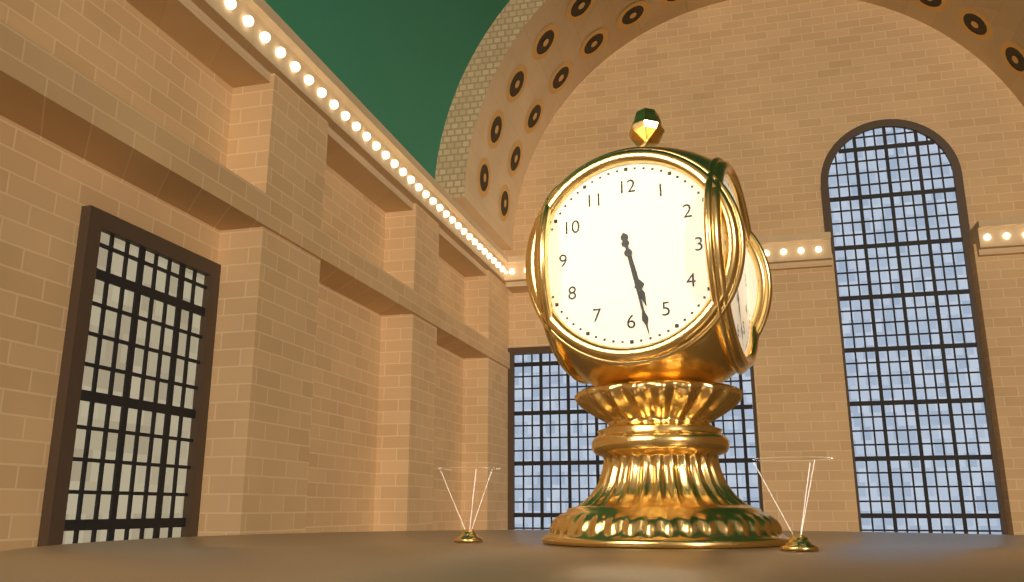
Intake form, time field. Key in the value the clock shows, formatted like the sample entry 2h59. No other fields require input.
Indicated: 5h28
